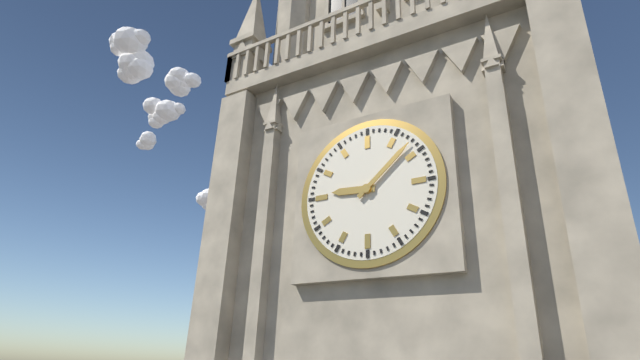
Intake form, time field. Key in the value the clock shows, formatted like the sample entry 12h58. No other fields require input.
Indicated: 9h08
